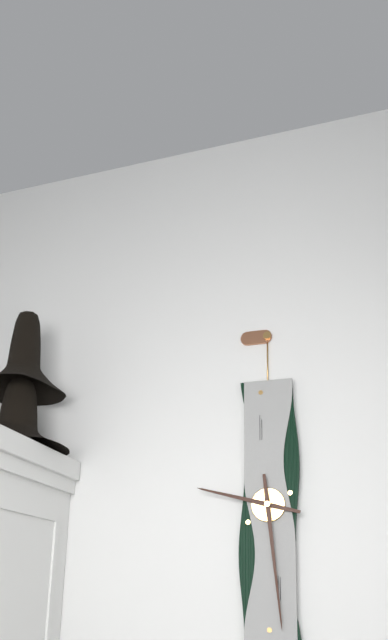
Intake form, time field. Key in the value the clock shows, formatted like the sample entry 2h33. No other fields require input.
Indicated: 9h29
